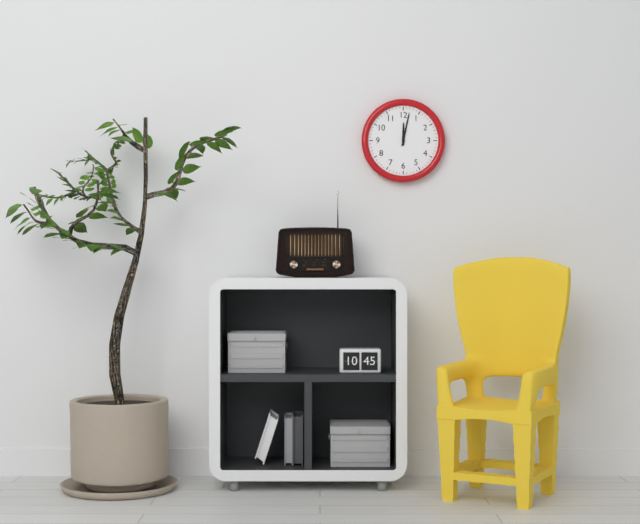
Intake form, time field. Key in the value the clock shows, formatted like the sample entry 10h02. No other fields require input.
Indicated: 12h02
